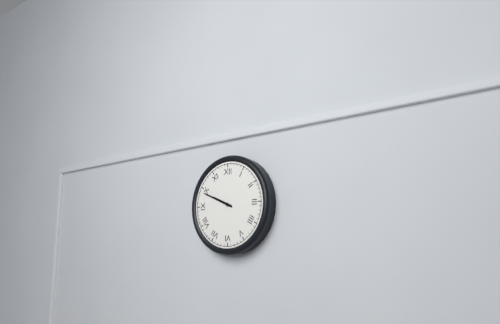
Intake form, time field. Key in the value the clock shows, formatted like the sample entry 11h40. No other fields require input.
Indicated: 9h49
